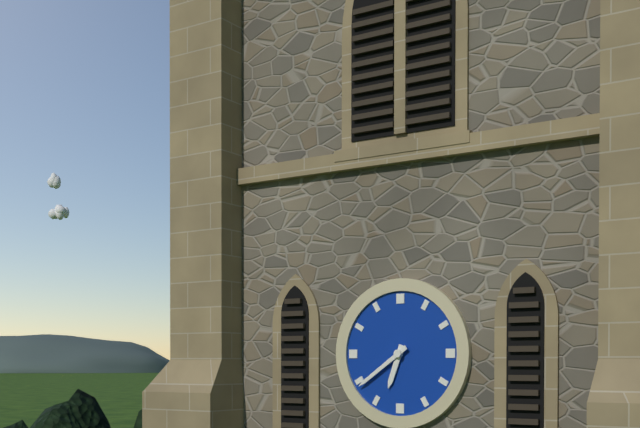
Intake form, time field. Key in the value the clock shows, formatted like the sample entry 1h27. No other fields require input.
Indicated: 6h39
